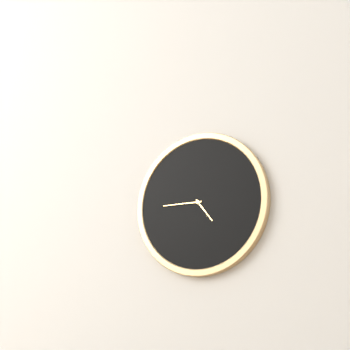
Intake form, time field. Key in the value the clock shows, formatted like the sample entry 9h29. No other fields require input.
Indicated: 4h45
